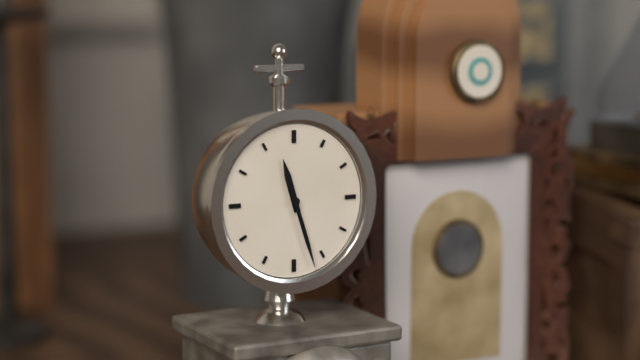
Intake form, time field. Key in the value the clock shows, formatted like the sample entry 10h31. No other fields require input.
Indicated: 11h27
